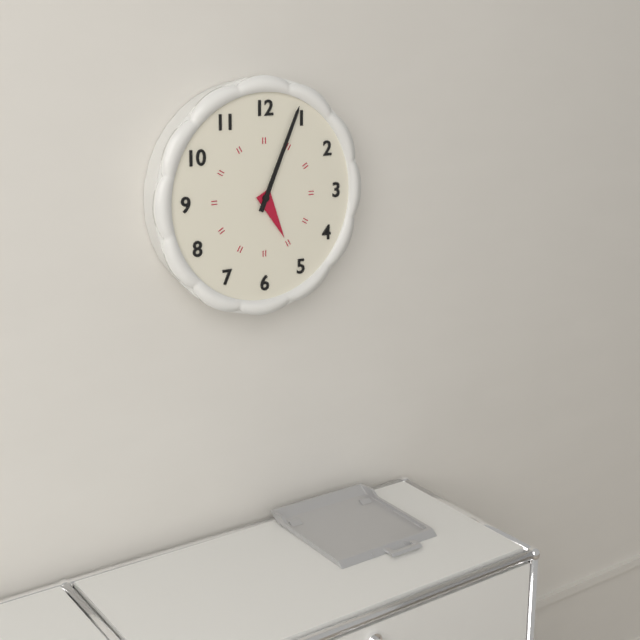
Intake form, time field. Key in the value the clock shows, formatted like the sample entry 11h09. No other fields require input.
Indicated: 5h04
